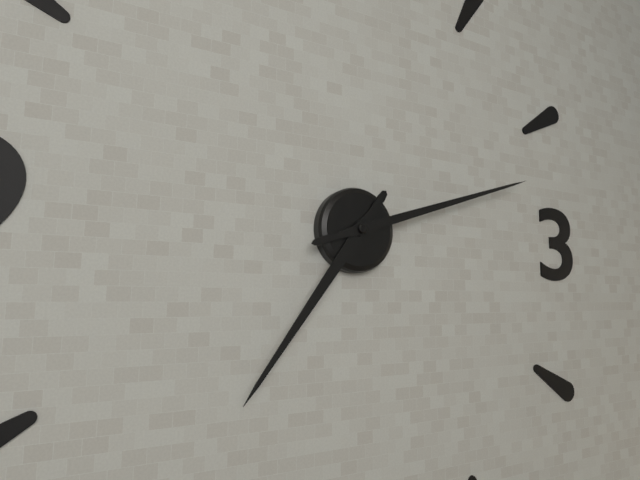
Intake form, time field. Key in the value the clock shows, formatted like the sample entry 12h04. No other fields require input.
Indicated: 7h12
